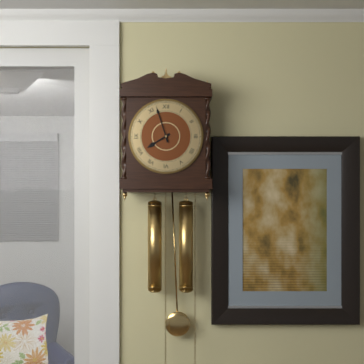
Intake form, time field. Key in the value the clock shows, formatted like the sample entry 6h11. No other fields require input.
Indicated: 7h57
